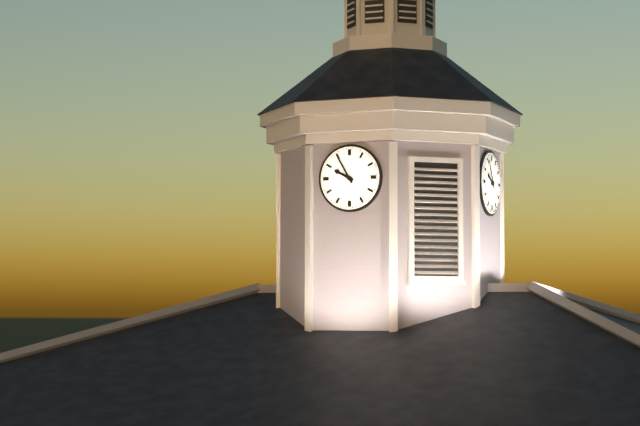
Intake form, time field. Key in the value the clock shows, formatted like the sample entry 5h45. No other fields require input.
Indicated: 9h55
